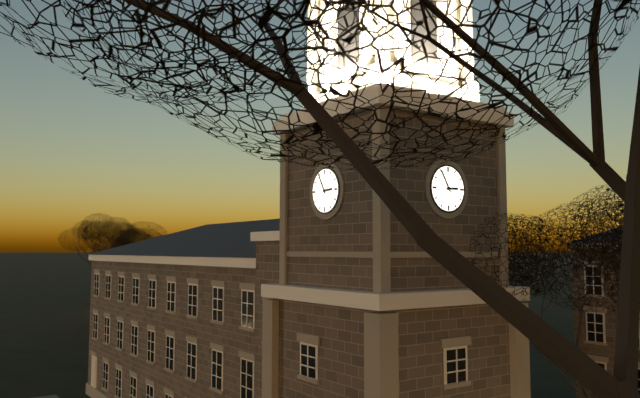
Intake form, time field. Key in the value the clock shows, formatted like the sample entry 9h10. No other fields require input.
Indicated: 2h55
